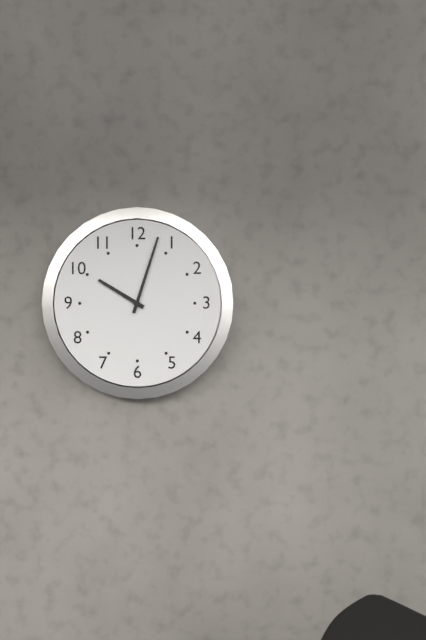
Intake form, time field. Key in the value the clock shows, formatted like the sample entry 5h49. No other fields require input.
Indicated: 10h03
